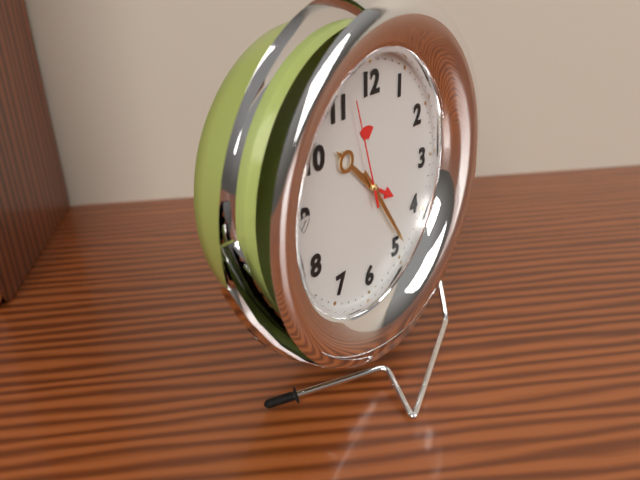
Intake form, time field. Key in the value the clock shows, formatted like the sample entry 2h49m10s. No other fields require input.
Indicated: 10h24m57s
